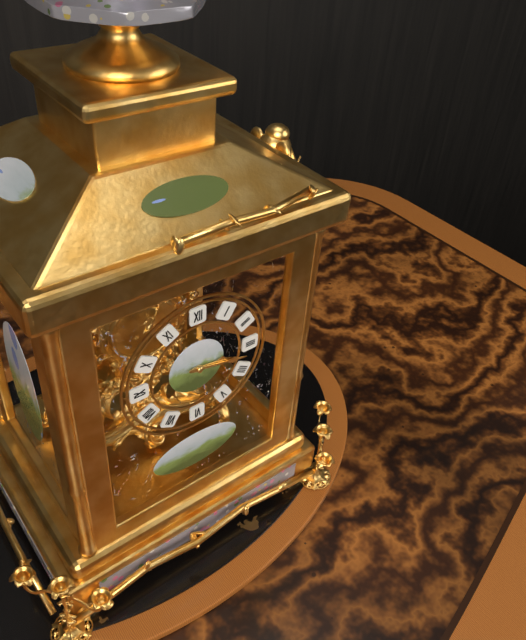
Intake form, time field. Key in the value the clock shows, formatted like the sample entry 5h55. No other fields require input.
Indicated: 3h17
